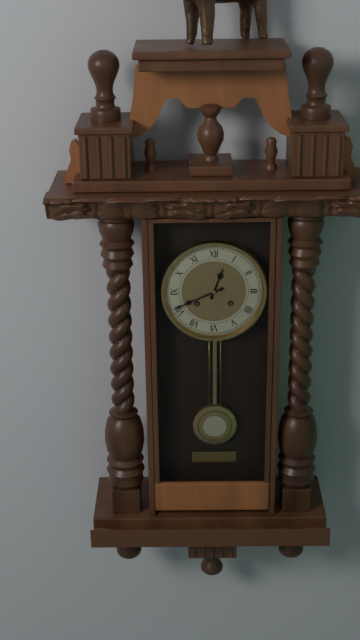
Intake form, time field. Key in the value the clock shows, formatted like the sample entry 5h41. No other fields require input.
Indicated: 12h41
